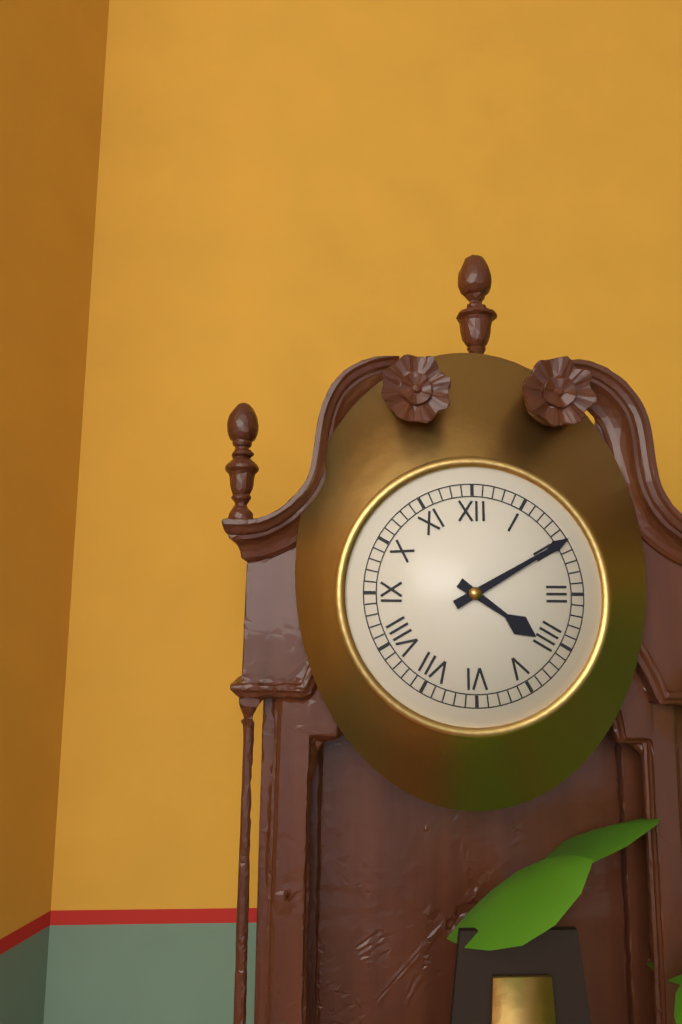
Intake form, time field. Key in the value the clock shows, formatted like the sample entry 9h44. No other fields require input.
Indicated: 4h10
